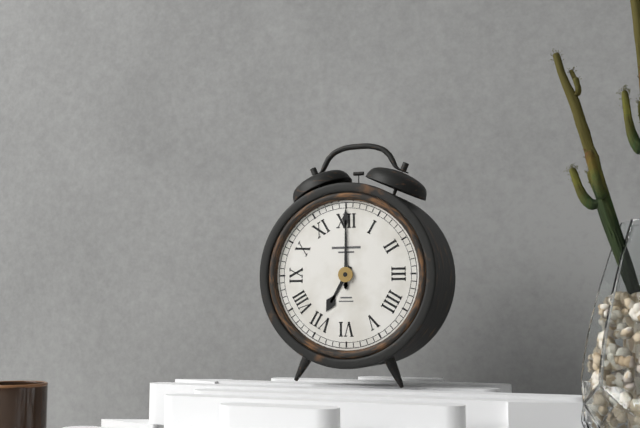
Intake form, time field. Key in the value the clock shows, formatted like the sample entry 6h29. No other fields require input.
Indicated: 7h00
